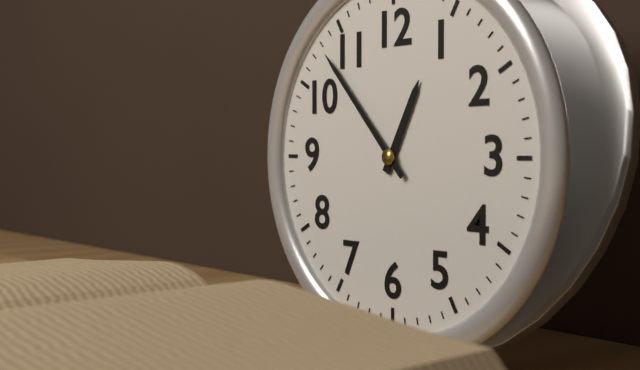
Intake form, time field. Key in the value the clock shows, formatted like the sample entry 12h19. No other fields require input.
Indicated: 12h53
